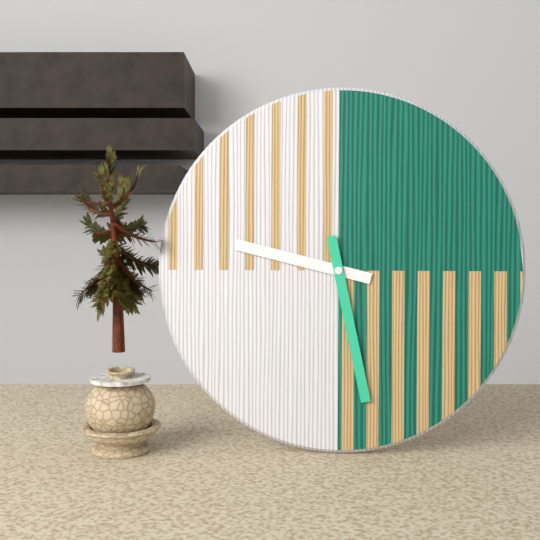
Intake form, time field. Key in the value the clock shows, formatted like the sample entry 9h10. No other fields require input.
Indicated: 9h28
